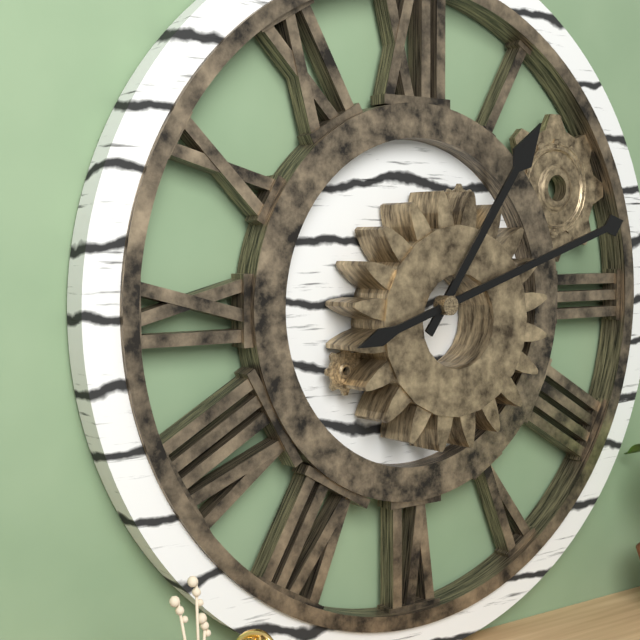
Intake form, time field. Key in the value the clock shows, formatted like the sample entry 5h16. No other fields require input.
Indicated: 1h12
